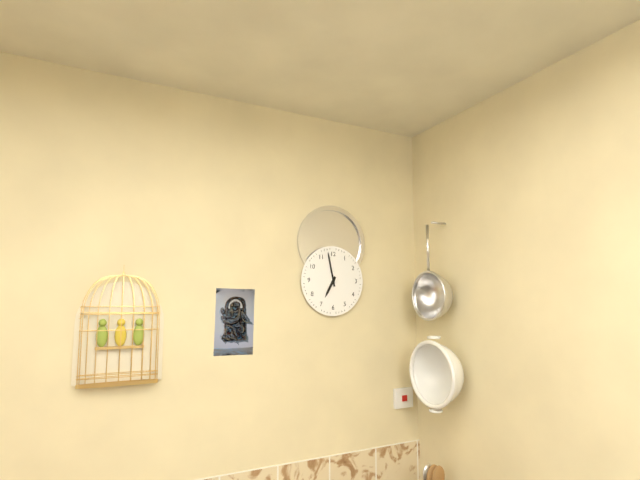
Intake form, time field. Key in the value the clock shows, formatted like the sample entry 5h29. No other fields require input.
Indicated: 6h58
